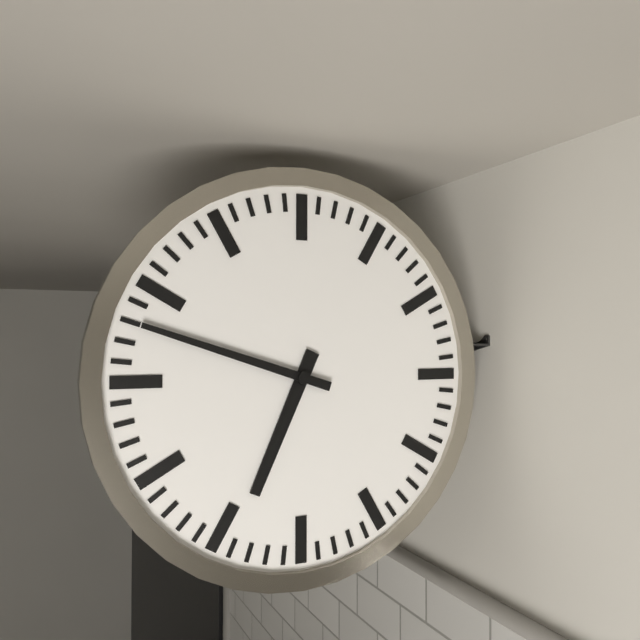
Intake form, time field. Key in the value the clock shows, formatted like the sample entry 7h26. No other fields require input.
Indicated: 6h48
